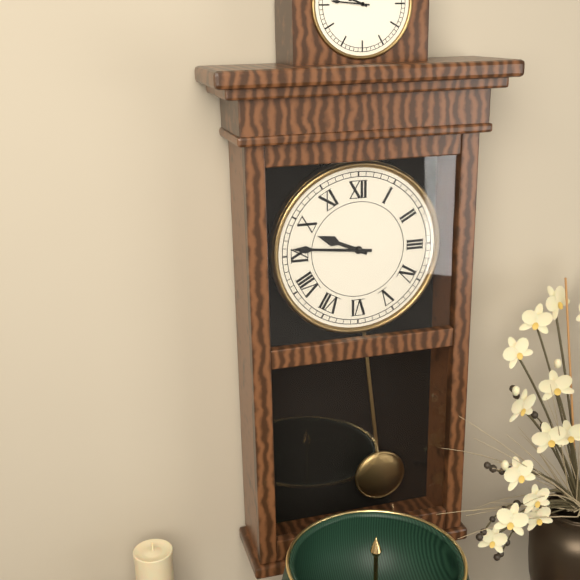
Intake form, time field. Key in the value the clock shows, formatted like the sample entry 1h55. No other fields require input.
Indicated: 9h46
